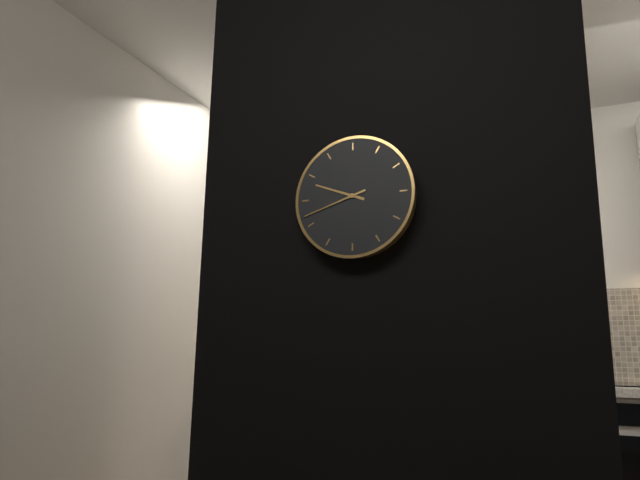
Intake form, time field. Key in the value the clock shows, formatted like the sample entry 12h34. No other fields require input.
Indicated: 9h42
